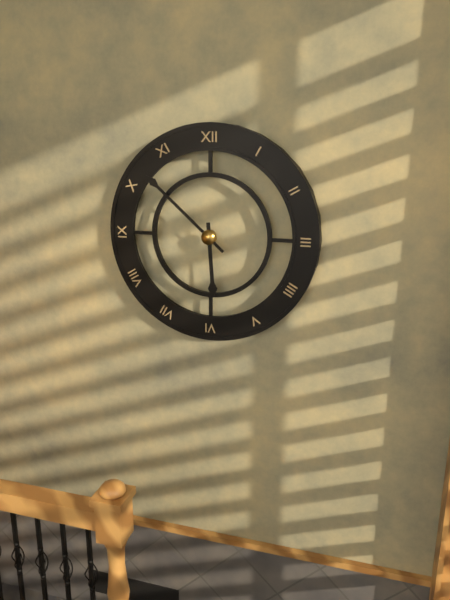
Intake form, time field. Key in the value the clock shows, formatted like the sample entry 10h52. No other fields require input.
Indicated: 5h52
